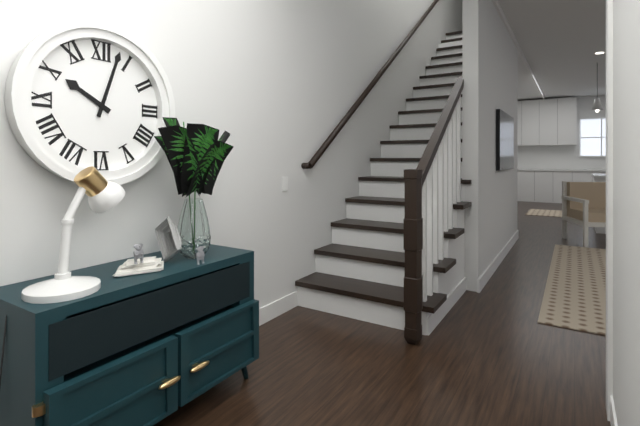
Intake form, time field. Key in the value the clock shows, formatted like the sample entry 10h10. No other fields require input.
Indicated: 10h03
